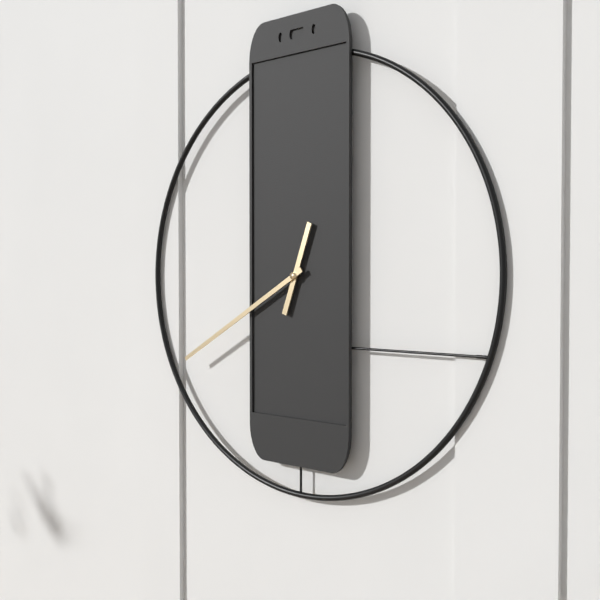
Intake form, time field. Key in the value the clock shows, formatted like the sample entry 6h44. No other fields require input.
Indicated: 12h40
